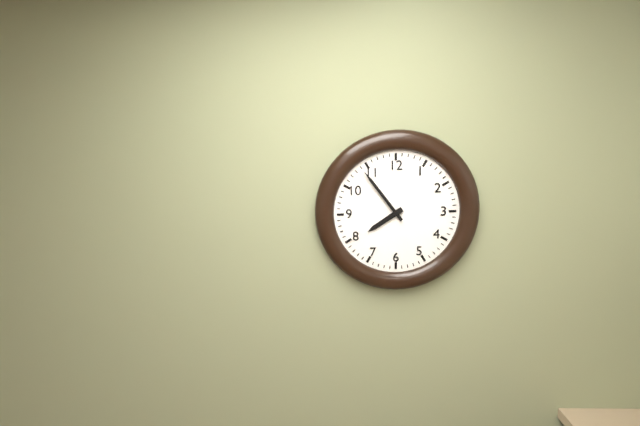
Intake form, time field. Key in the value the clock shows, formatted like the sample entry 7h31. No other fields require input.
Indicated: 7h54
